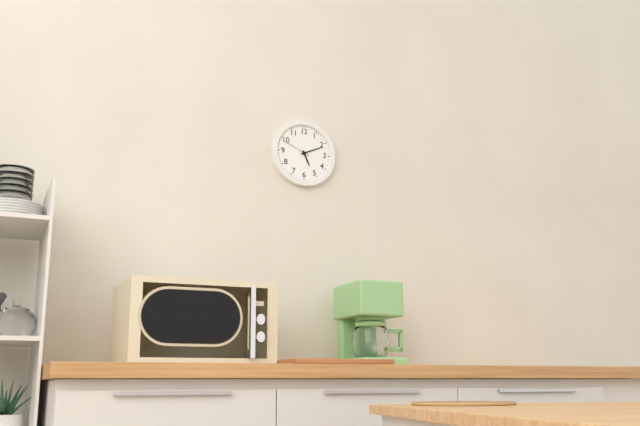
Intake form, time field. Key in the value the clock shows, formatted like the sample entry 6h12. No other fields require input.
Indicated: 5h11
